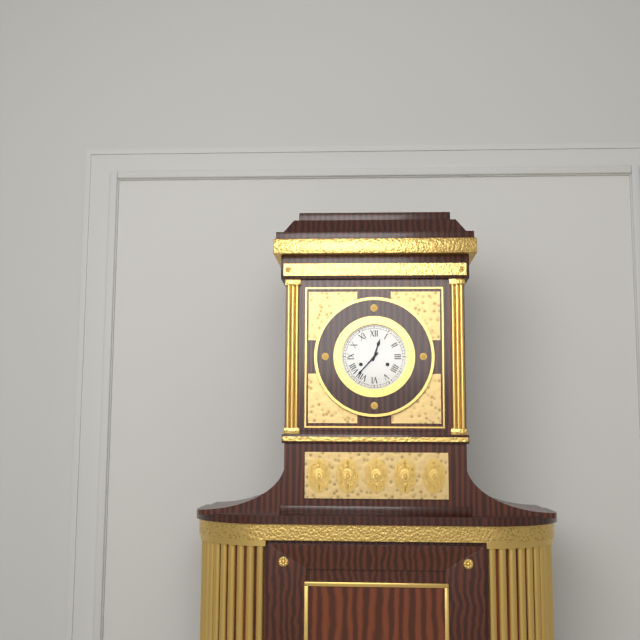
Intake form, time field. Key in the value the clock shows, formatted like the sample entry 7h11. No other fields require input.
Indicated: 12h37
